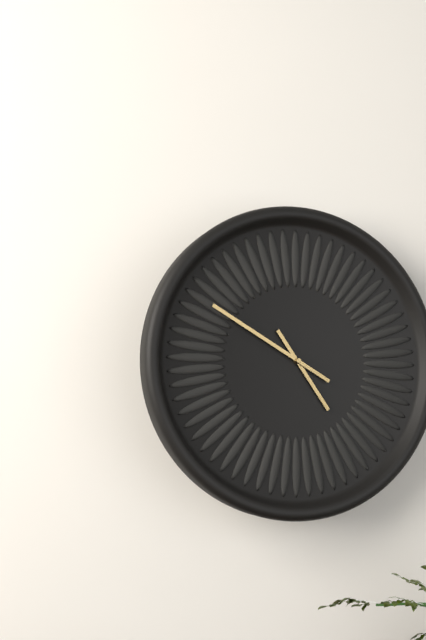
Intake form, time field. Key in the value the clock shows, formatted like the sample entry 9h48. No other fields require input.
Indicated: 4h50
